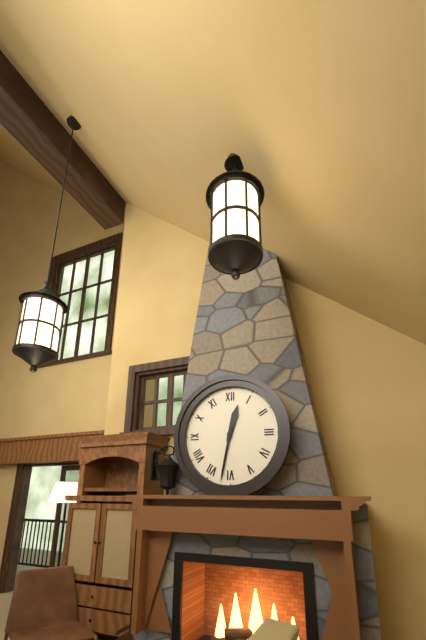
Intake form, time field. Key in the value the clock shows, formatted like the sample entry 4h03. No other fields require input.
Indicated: 12h32
